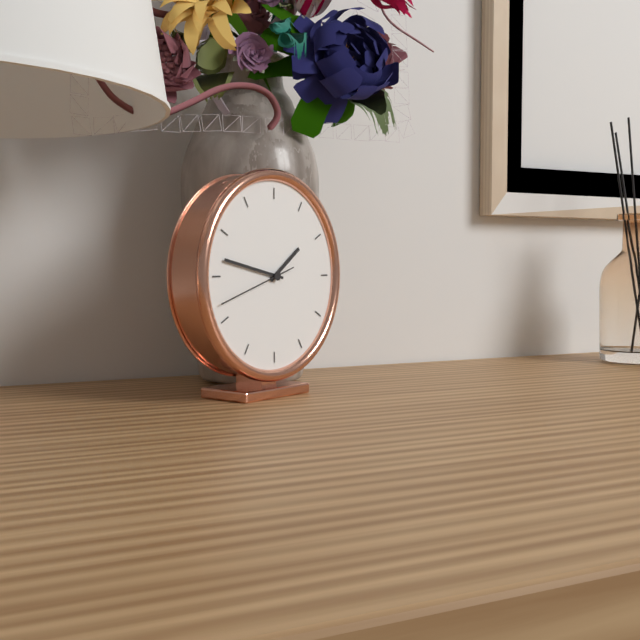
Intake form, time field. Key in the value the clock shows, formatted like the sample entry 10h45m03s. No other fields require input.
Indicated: 1h47m42s
